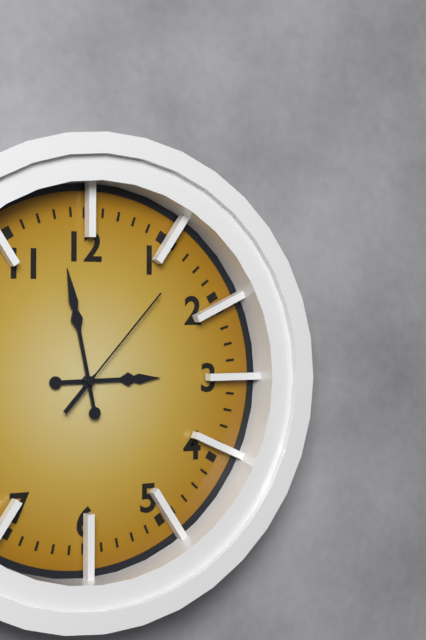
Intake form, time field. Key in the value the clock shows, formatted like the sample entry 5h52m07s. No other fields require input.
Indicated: 2h58m07s
